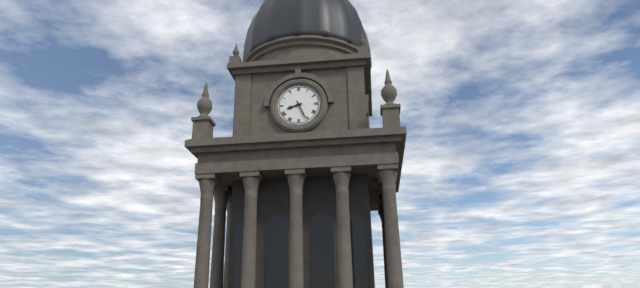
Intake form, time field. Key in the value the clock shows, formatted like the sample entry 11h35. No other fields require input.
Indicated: 8h26
